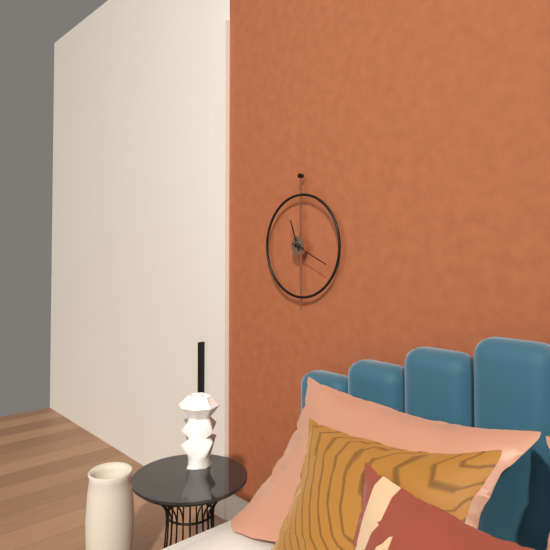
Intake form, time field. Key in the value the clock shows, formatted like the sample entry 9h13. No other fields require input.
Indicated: 11h19
